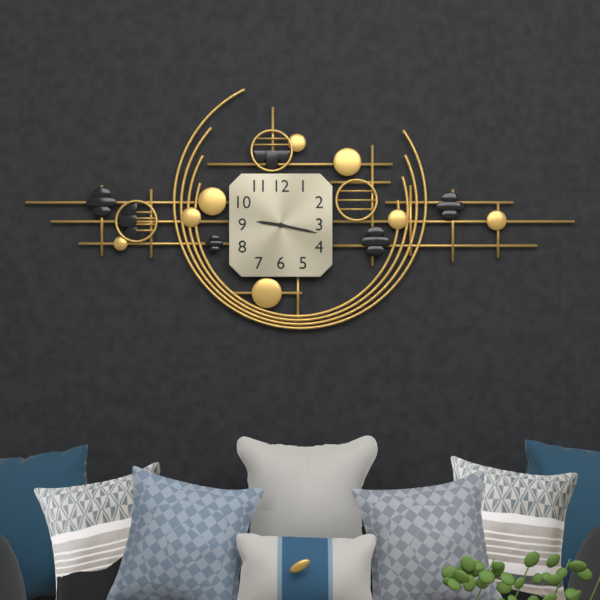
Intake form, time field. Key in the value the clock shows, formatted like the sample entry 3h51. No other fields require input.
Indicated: 9h17
